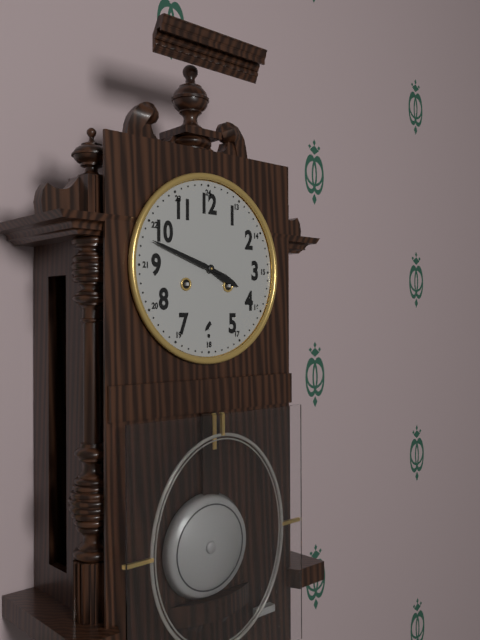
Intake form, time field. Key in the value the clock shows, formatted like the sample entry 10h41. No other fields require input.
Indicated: 3h48
